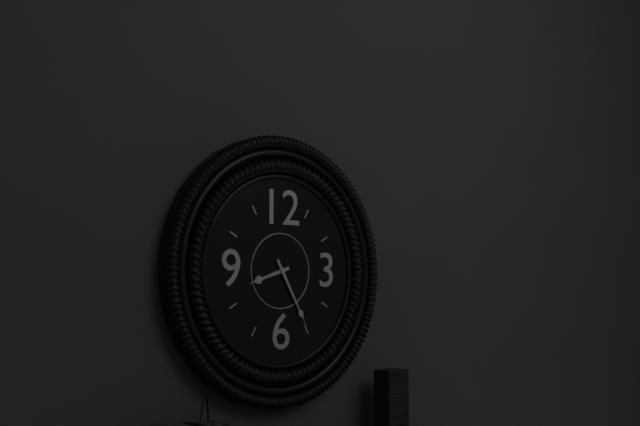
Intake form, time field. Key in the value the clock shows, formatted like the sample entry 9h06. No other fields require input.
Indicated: 8h25
